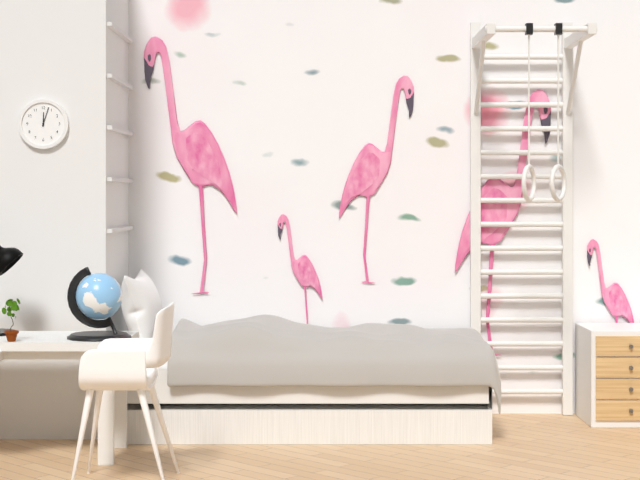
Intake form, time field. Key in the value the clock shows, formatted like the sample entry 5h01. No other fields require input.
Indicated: 12h03
